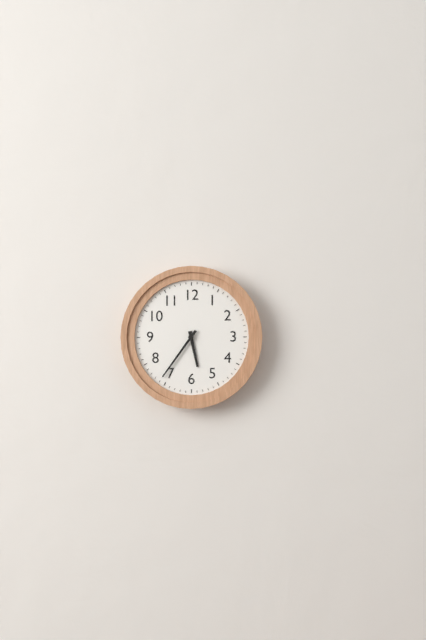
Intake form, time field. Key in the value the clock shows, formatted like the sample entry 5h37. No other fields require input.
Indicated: 5h36
